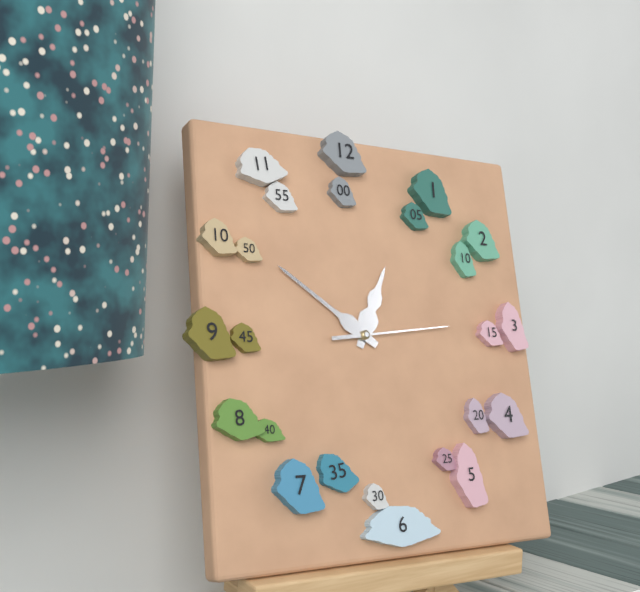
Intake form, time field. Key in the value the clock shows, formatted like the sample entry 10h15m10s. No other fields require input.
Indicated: 12h51m14s
